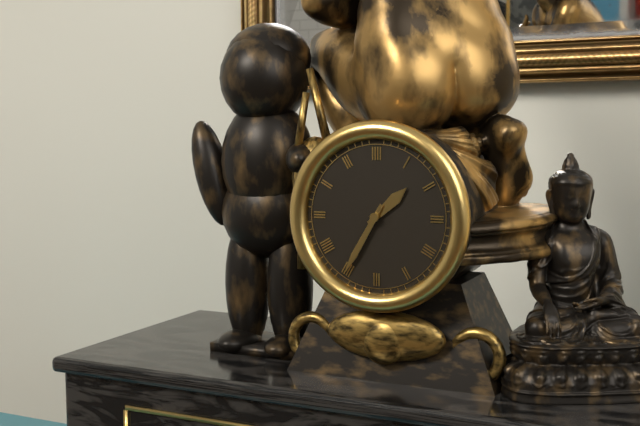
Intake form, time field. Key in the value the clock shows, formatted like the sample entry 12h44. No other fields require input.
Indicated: 1h35
